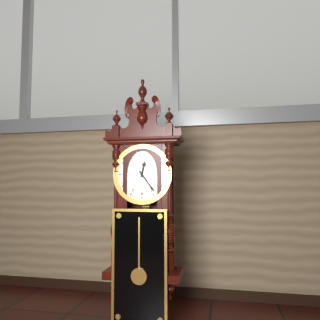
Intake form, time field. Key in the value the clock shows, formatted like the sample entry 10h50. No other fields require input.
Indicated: 12h24
